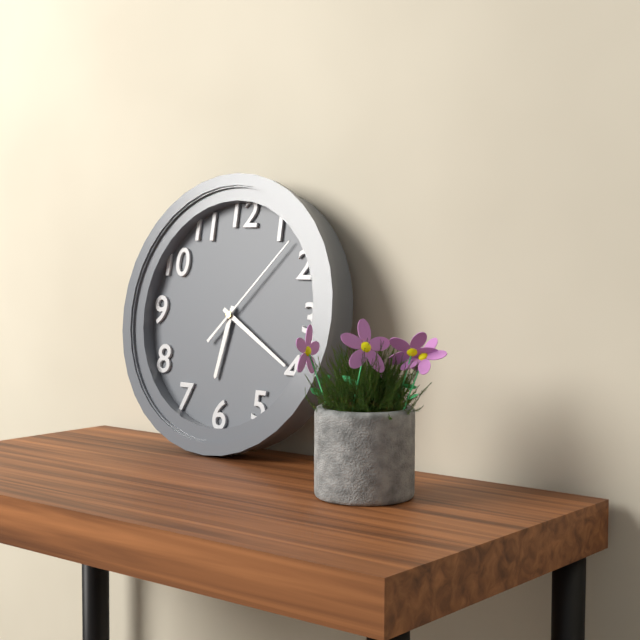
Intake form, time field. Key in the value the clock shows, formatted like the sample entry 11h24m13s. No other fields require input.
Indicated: 6h20m07s
